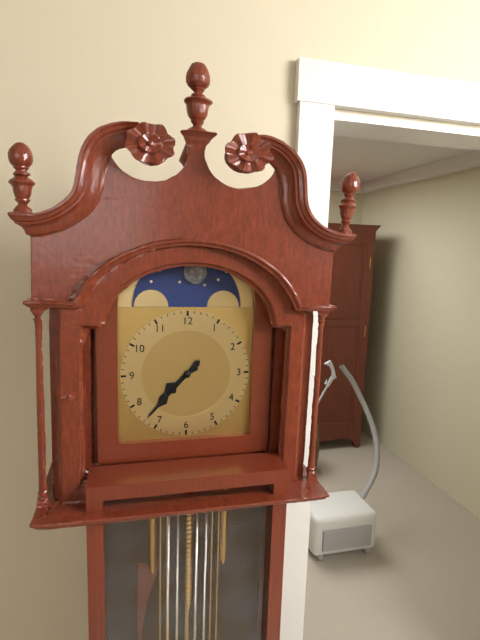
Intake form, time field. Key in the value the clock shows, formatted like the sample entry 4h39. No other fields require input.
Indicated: 7h37
